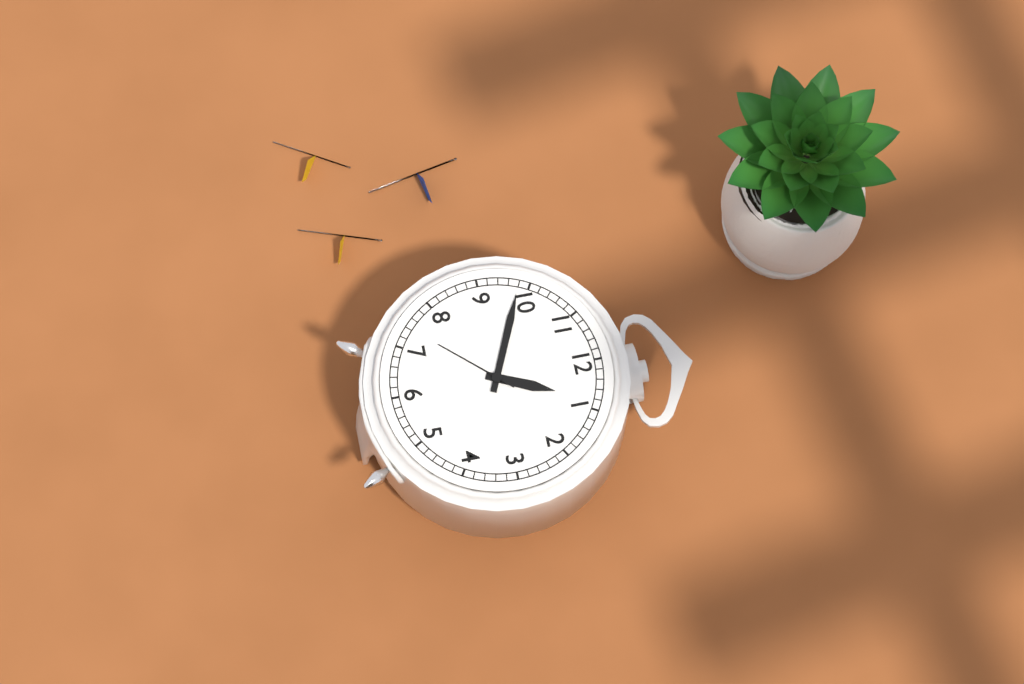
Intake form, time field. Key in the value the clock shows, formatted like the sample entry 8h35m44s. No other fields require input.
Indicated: 12h49m37s
